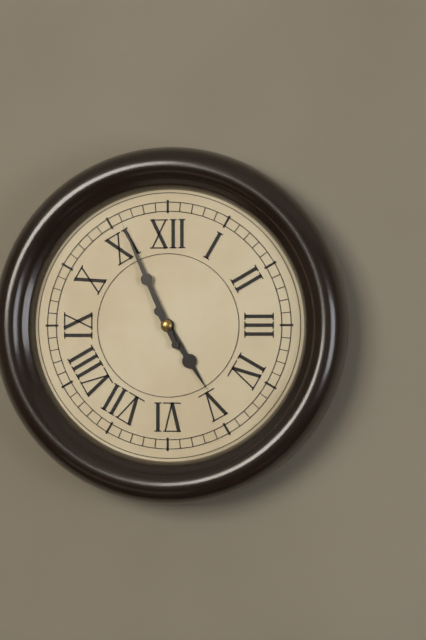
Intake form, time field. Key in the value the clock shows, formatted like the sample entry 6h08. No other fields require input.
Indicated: 4h56
